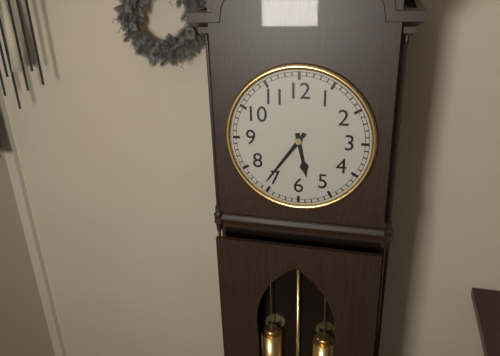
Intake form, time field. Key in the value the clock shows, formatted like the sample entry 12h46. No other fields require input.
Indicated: 5h36
